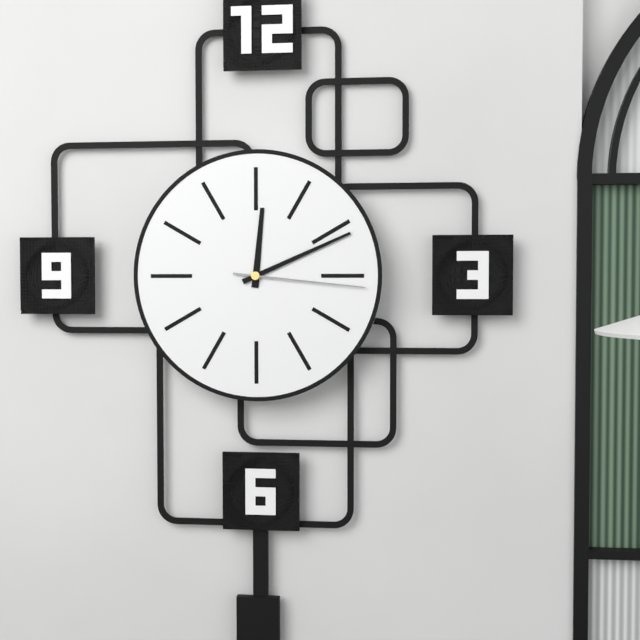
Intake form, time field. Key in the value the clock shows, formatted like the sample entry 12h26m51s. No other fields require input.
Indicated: 12h11m16s
